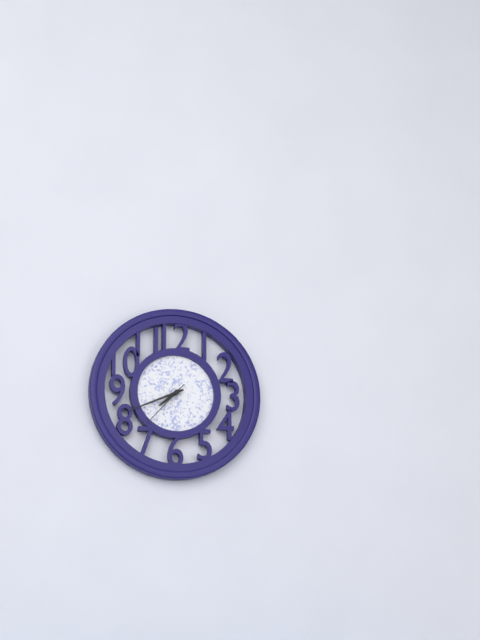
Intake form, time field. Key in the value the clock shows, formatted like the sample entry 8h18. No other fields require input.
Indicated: 7h41
